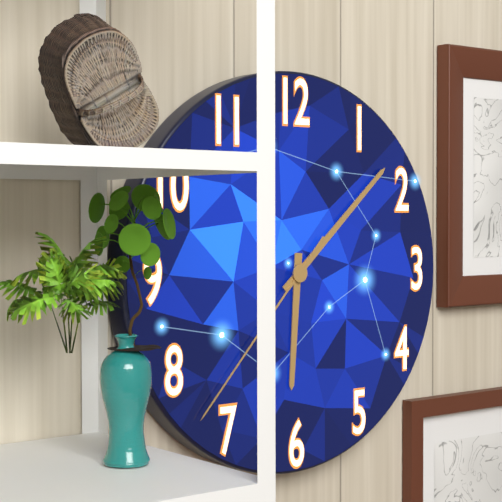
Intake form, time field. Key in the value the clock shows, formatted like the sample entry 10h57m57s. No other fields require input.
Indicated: 6h08m37s
